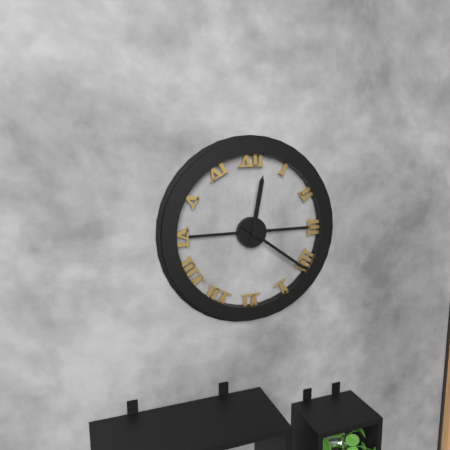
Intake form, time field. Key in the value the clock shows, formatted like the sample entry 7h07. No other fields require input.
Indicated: 12h21
